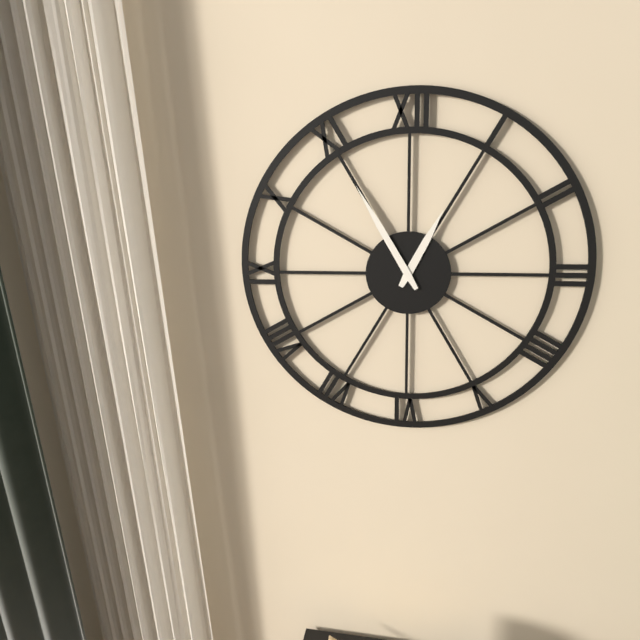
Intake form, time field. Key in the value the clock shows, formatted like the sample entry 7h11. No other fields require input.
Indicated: 12h55
